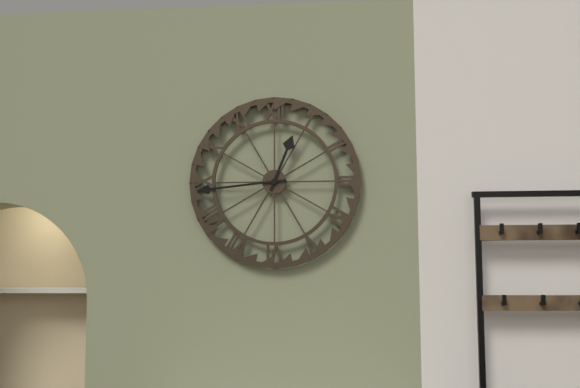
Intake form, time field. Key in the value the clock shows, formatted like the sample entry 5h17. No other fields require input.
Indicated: 12h44
